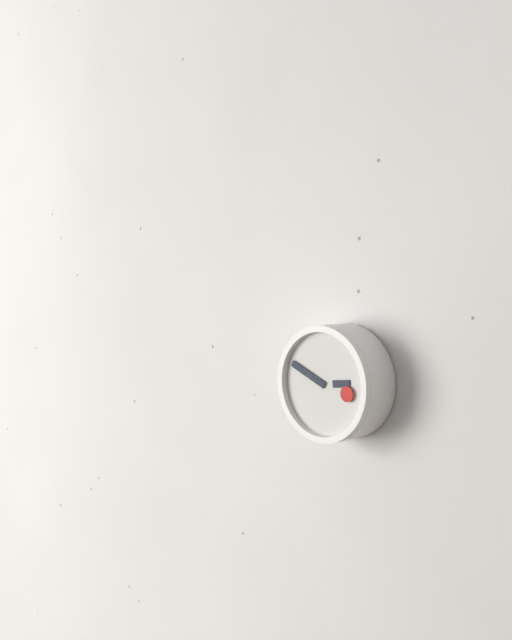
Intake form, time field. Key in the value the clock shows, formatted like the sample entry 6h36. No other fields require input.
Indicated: 2h49
